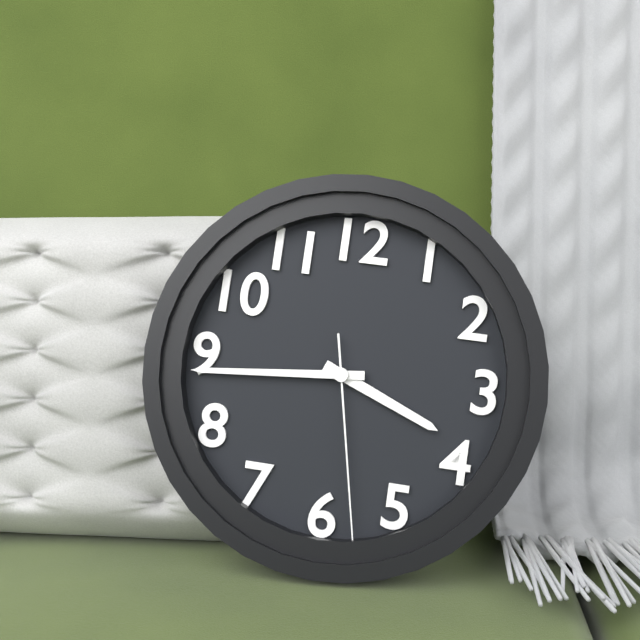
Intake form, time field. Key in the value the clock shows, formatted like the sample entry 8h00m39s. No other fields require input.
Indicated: 3h44m28s
